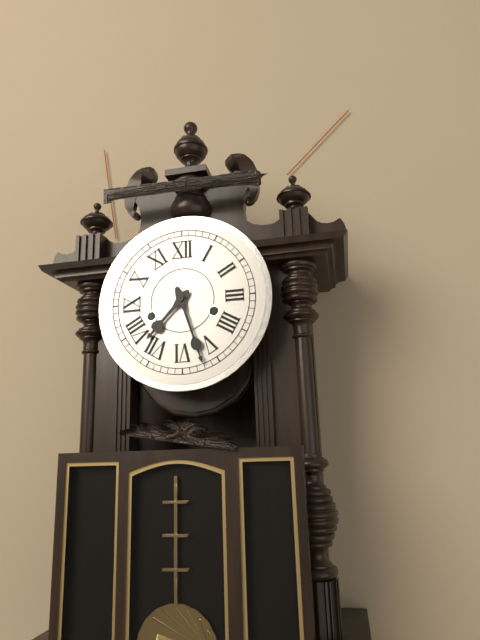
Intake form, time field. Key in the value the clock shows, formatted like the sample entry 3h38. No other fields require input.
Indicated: 7h27
